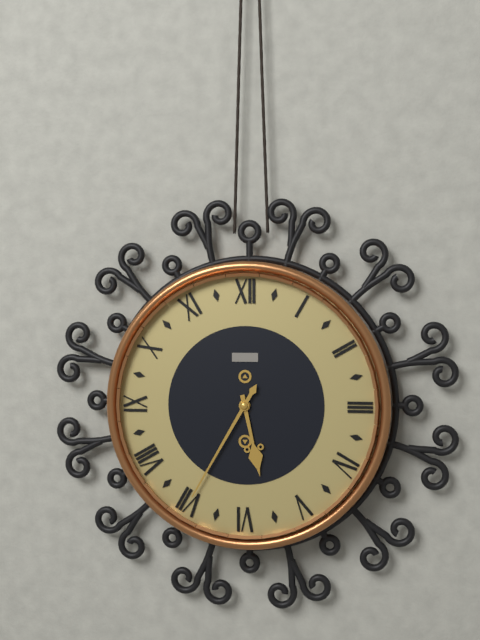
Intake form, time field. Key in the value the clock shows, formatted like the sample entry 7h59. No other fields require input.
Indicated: 5h35
